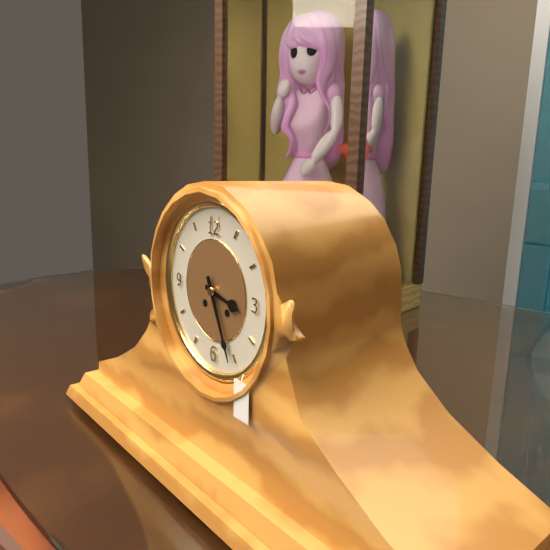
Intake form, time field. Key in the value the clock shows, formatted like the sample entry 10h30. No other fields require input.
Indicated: 3h26
